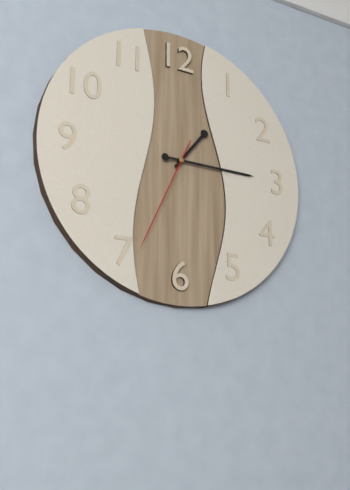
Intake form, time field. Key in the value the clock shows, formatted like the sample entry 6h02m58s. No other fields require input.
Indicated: 1h15m34s
